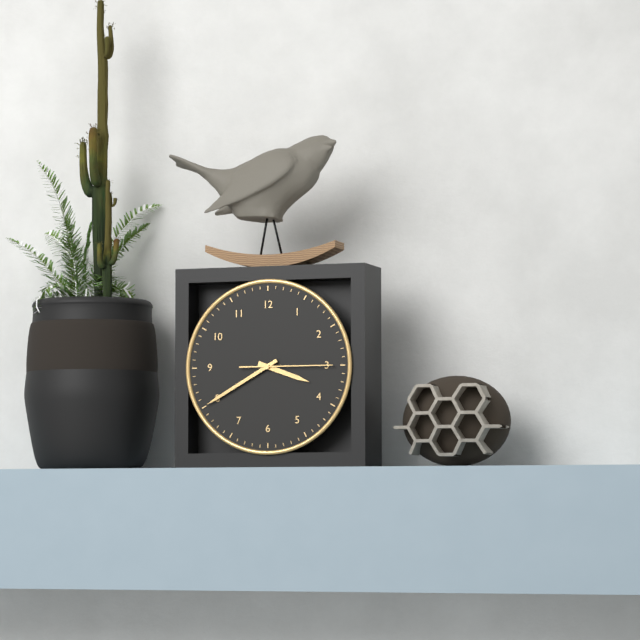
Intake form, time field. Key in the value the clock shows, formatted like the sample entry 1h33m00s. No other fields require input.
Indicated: 3h40m15s
